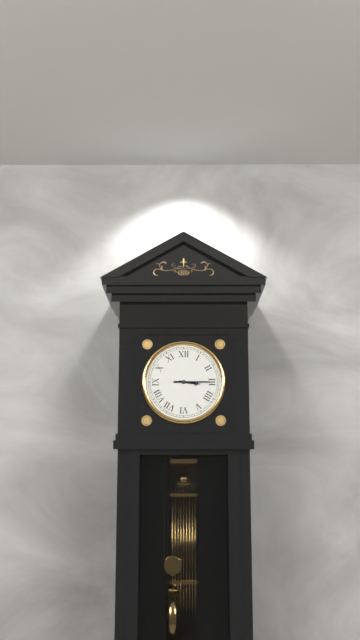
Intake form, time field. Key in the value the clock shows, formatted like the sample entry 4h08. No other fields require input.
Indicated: 3h15
